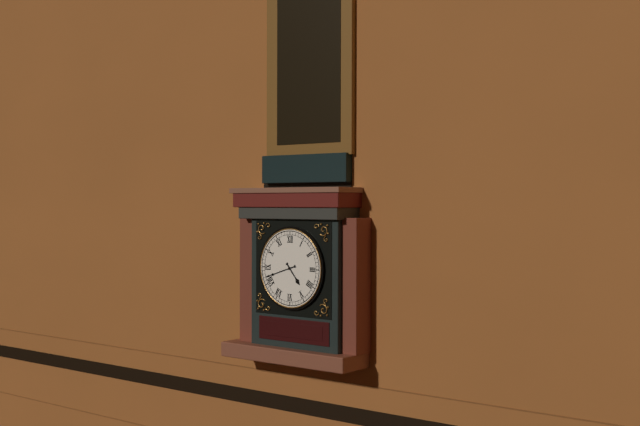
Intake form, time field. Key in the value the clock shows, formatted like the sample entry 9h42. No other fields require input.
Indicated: 4h42
